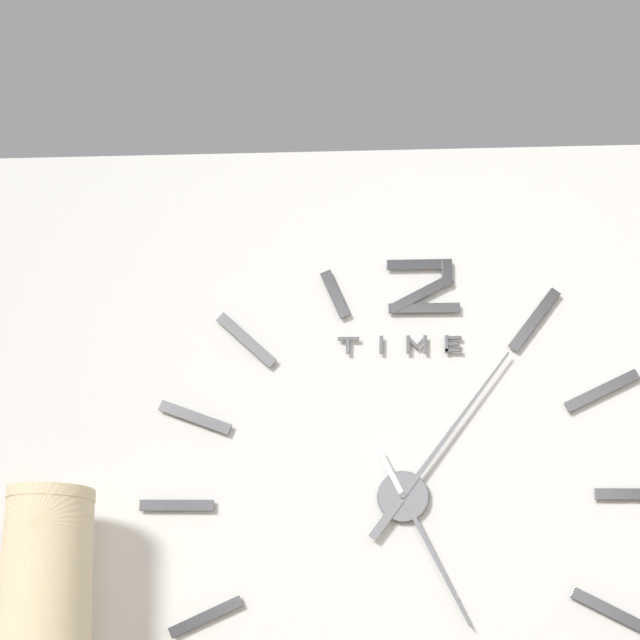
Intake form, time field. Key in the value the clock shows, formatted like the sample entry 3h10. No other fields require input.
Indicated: 5h06
